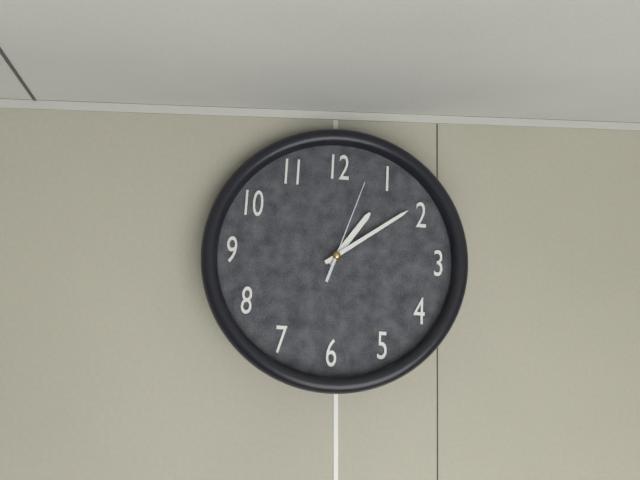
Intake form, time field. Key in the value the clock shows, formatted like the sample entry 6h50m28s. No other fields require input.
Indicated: 1h09m03s
